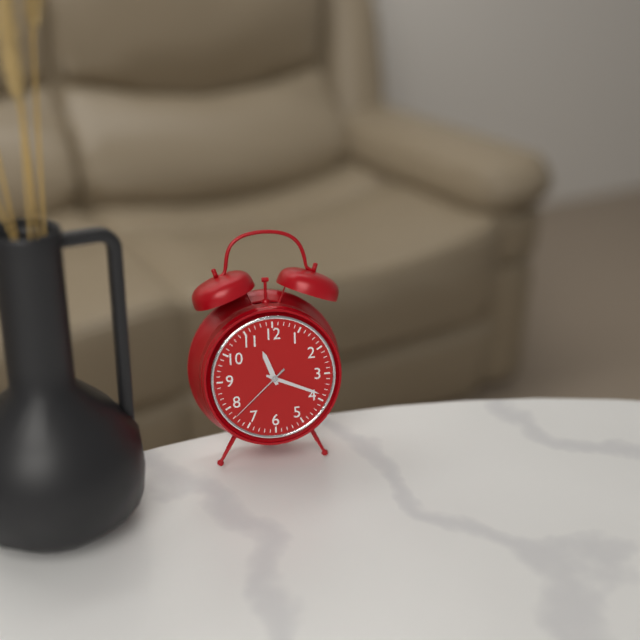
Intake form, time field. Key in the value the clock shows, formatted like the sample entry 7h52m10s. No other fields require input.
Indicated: 11h19m38s
